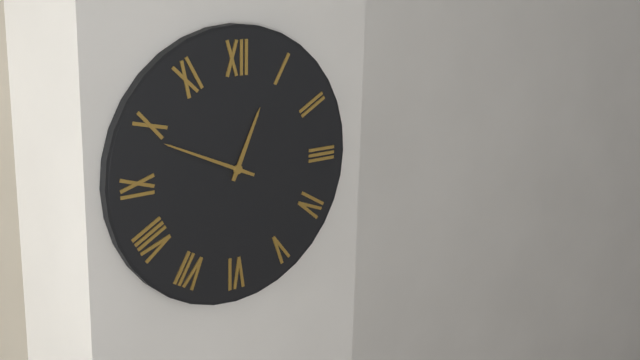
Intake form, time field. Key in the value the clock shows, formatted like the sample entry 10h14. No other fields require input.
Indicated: 12h49
